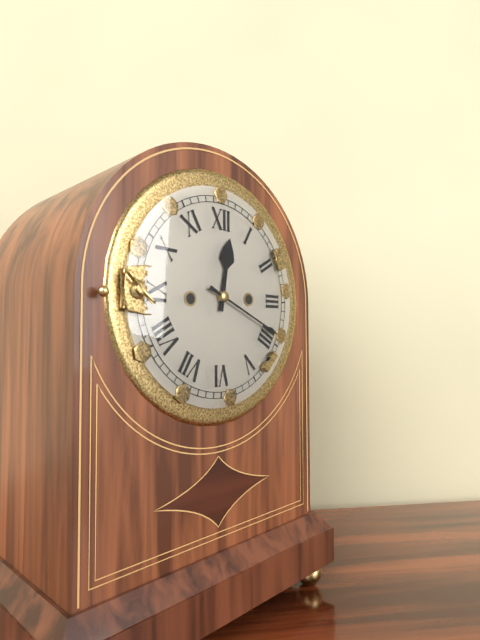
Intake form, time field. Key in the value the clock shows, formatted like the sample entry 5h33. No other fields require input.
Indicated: 12h19
